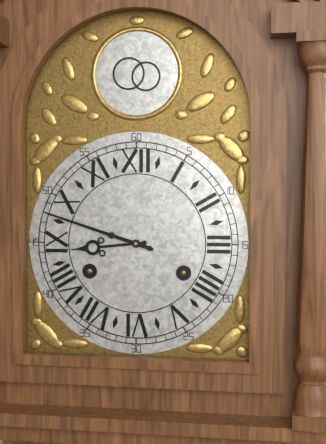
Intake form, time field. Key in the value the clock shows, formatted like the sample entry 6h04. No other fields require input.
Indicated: 8h48
